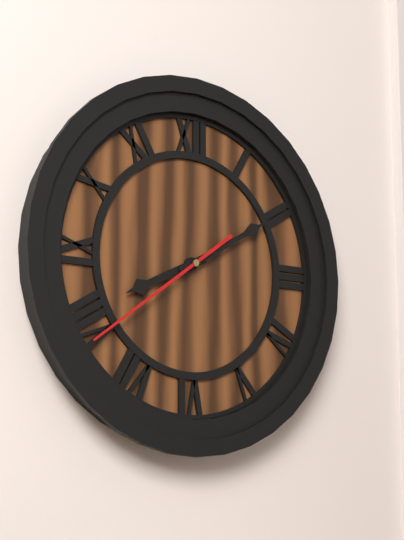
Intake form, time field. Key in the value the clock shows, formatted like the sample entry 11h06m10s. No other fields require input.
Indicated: 8h10m39s
